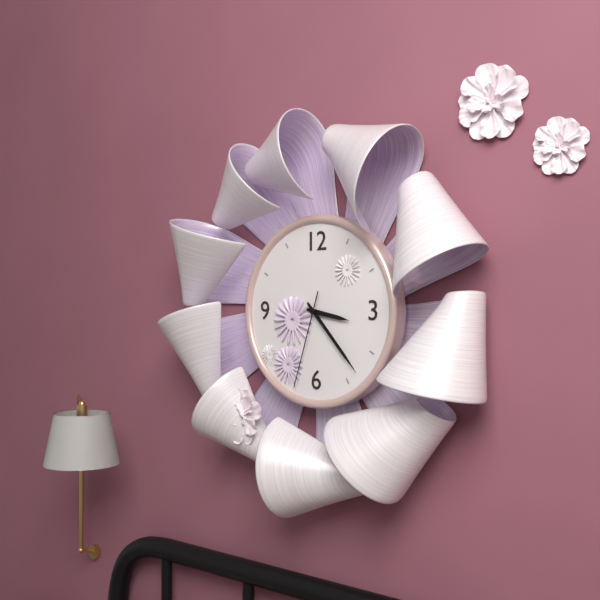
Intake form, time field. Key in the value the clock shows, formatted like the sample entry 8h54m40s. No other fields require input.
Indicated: 3h23m33s
